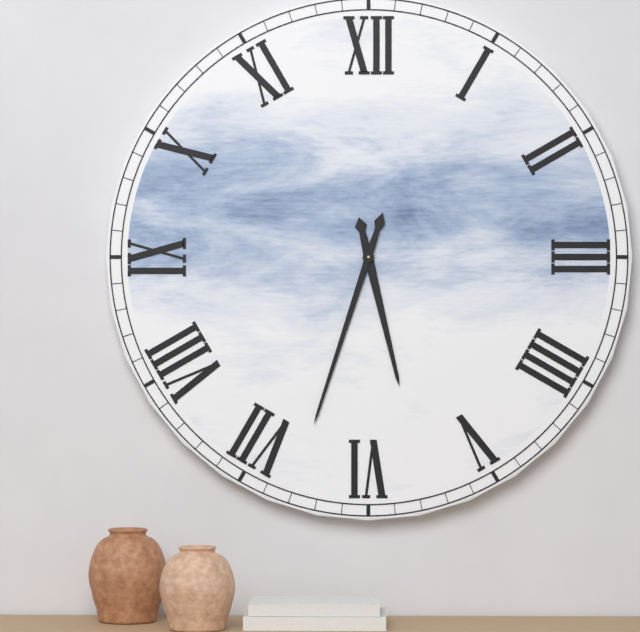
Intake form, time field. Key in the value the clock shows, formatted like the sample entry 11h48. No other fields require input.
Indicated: 5h33
